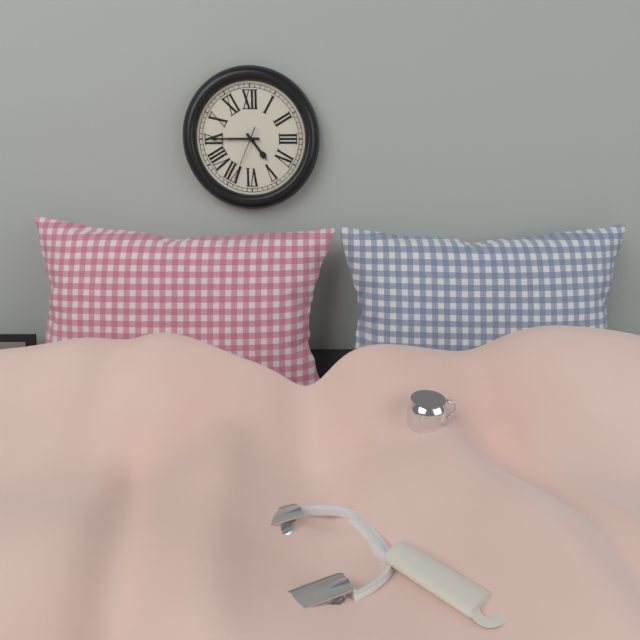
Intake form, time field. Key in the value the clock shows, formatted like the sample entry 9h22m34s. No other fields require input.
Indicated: 4h45m34s
